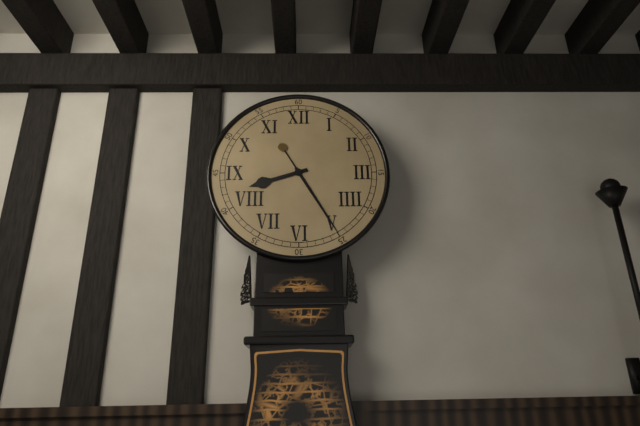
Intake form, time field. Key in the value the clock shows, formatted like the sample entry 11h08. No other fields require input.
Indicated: 8h25
